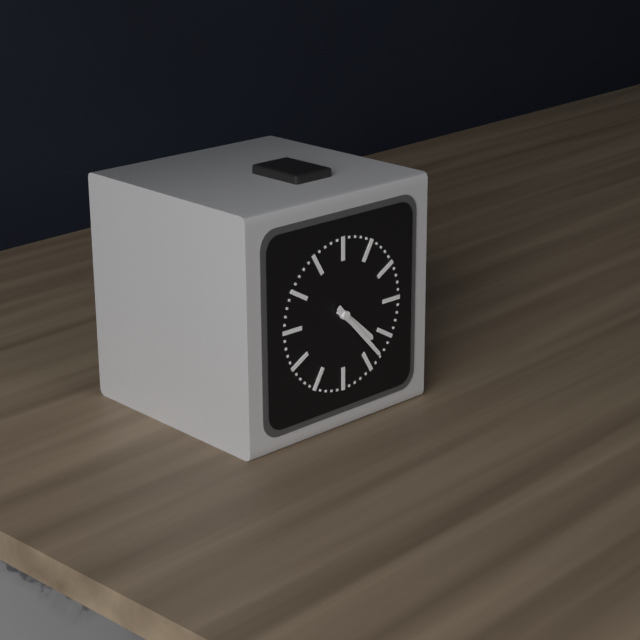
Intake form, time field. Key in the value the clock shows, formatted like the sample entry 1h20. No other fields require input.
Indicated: 4h23
